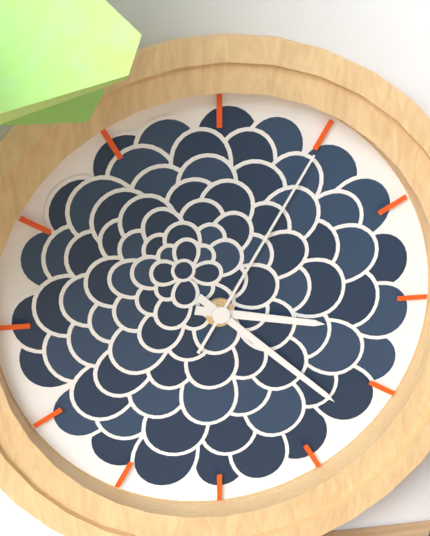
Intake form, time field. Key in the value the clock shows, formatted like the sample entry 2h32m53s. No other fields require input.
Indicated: 3h22m05s
